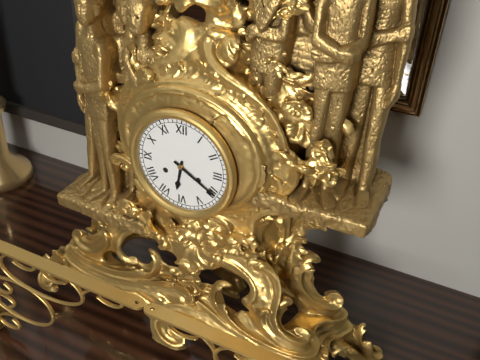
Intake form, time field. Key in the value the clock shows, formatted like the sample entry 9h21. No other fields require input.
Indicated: 6h20
